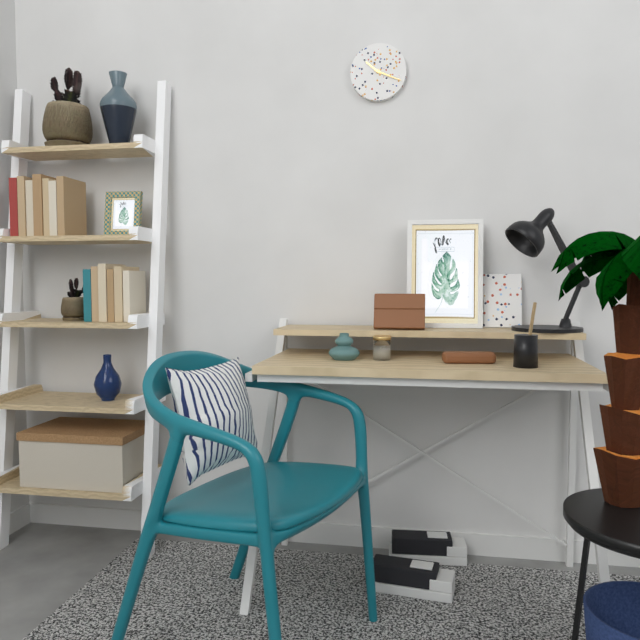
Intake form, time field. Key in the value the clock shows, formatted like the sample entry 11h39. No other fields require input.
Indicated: 10h19
